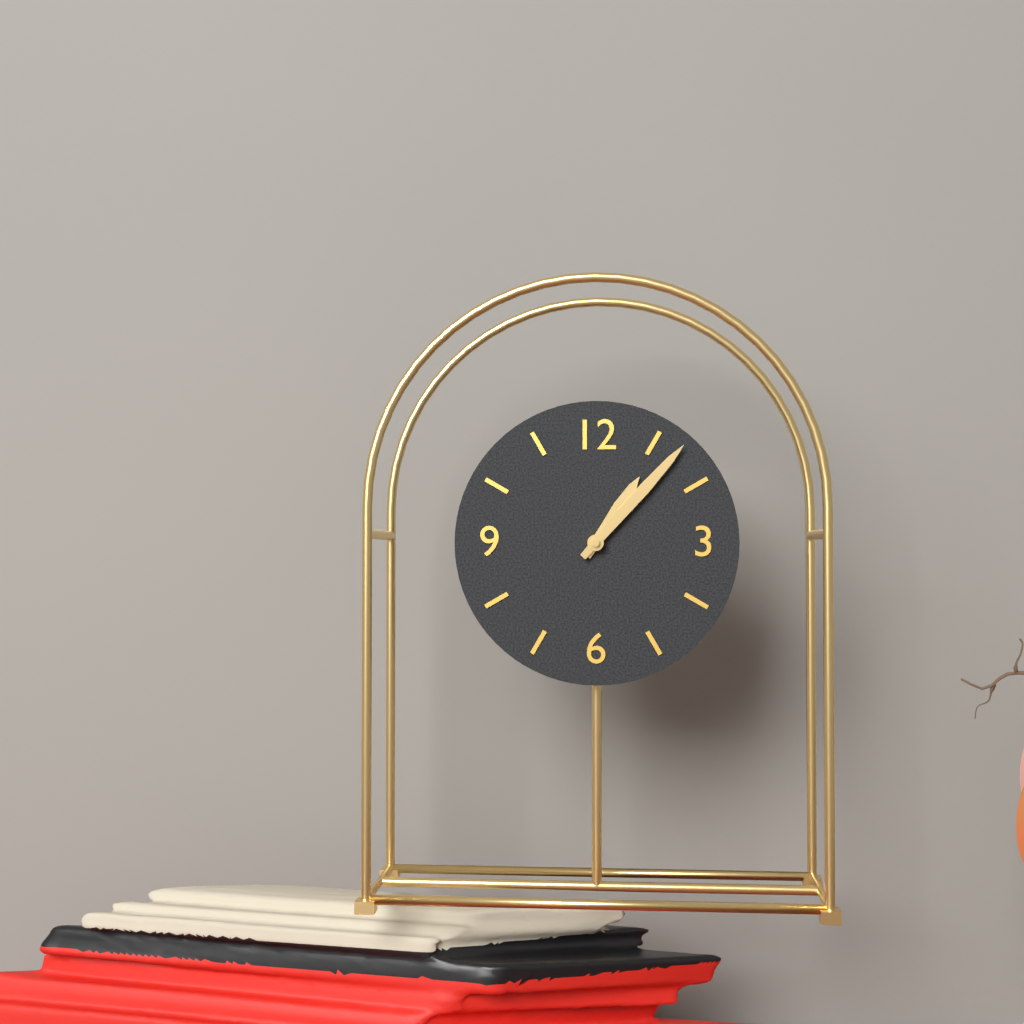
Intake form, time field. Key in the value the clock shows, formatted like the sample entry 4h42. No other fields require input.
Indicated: 1h07
